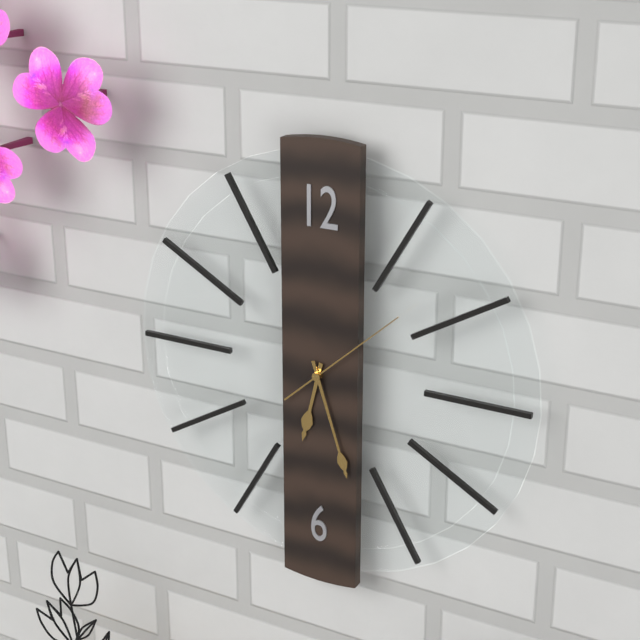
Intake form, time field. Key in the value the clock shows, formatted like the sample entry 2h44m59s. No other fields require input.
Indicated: 6h27m08s
